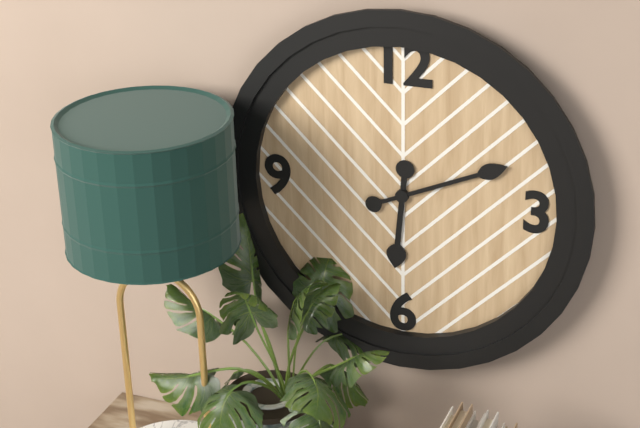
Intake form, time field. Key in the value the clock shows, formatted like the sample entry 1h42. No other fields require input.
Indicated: 6h11
